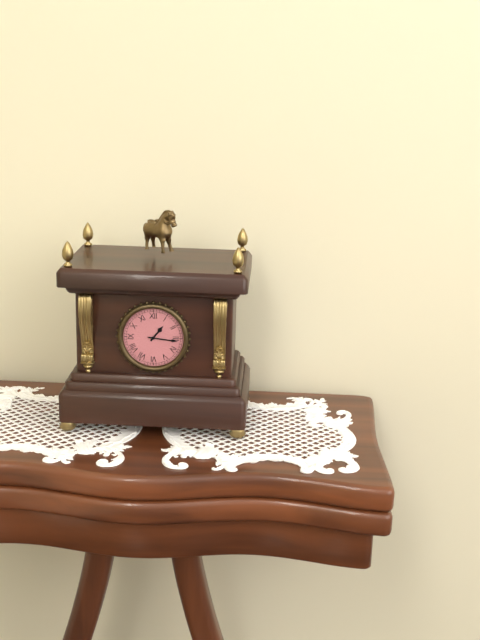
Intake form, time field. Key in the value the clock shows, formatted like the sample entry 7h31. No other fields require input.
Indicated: 1h16
